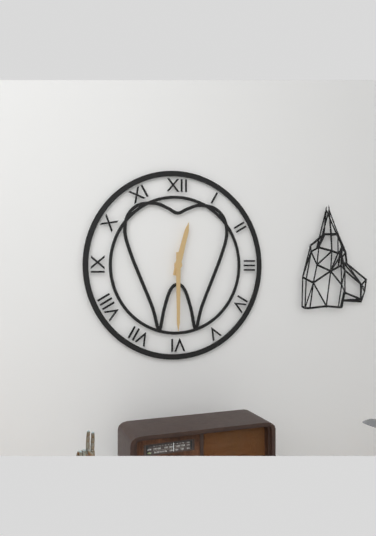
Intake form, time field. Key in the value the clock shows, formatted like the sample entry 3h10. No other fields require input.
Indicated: 12h30
